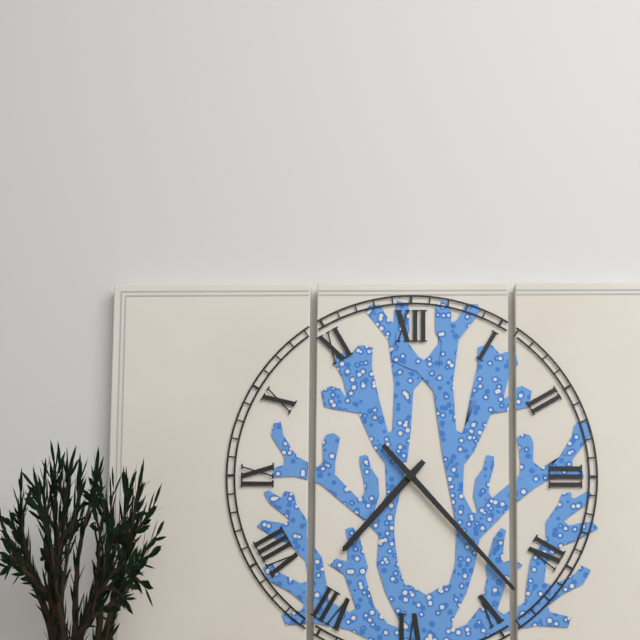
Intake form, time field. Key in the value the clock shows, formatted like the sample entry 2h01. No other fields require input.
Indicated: 7h23
